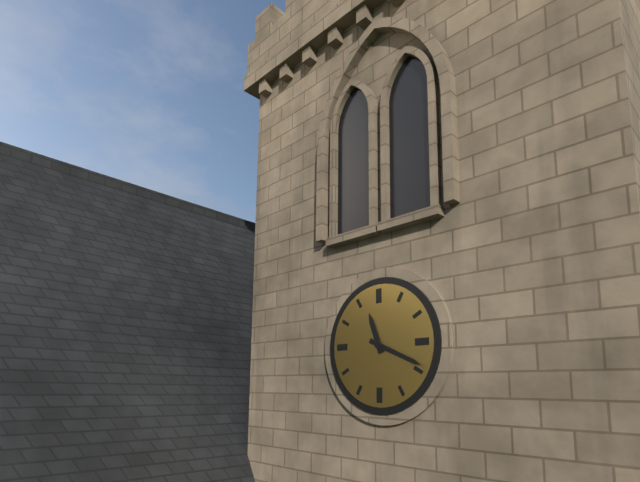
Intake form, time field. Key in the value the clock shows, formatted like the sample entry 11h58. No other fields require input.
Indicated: 11h19
